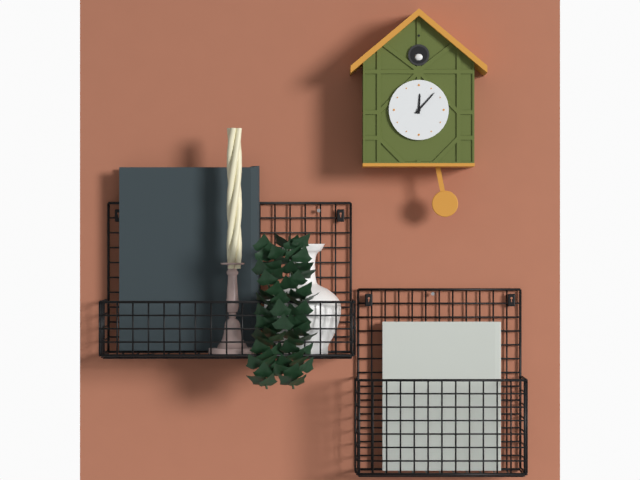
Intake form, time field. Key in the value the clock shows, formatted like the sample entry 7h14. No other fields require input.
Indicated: 12h07
